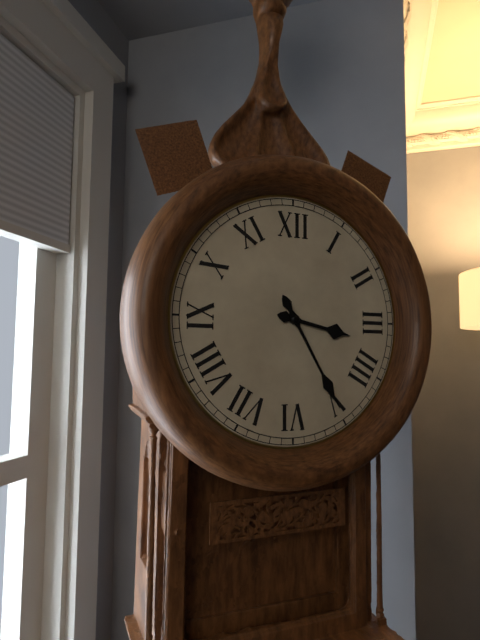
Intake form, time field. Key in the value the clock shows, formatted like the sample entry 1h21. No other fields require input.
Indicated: 3h25
